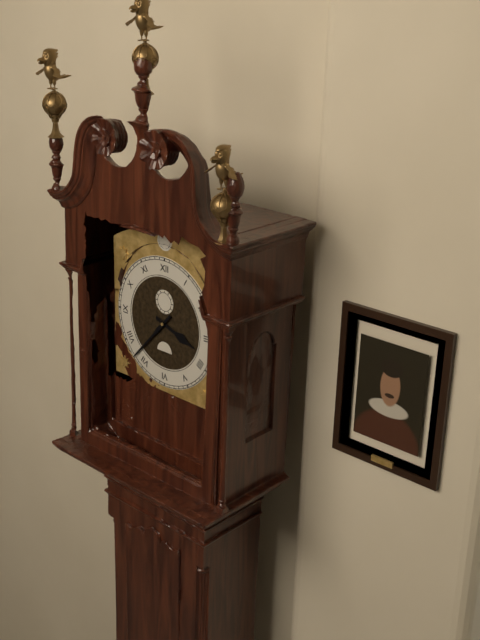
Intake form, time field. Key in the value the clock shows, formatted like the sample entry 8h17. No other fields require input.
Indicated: 3h37
